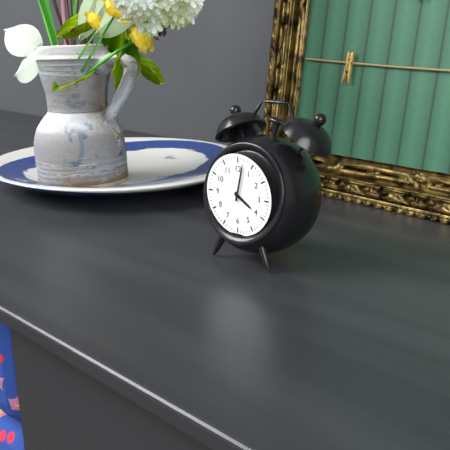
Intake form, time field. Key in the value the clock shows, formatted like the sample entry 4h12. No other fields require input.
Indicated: 4h02
